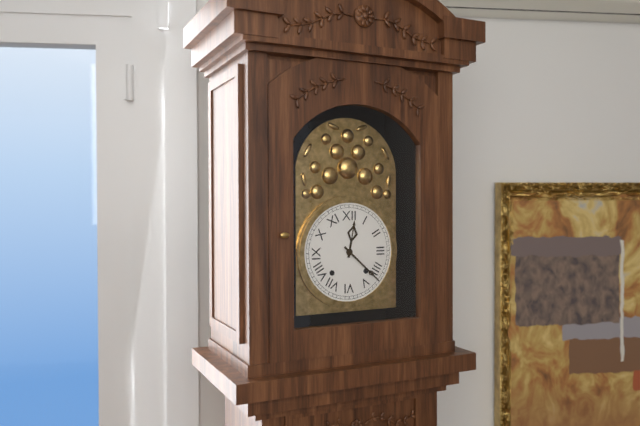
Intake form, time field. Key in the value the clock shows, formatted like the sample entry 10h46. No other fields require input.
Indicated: 12h22
